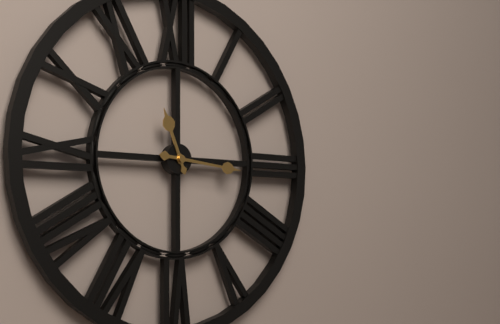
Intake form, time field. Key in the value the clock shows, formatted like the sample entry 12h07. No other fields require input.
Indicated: 11h16
